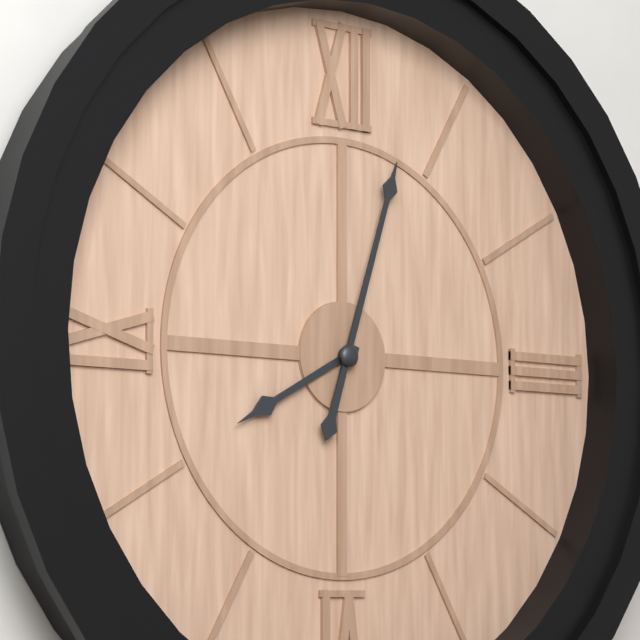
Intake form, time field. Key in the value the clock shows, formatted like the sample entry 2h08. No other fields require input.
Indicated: 8h03
